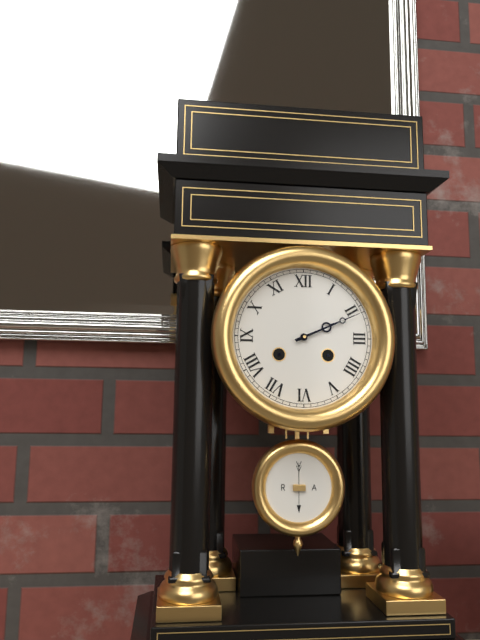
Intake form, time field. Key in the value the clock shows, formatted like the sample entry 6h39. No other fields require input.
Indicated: 2h11
